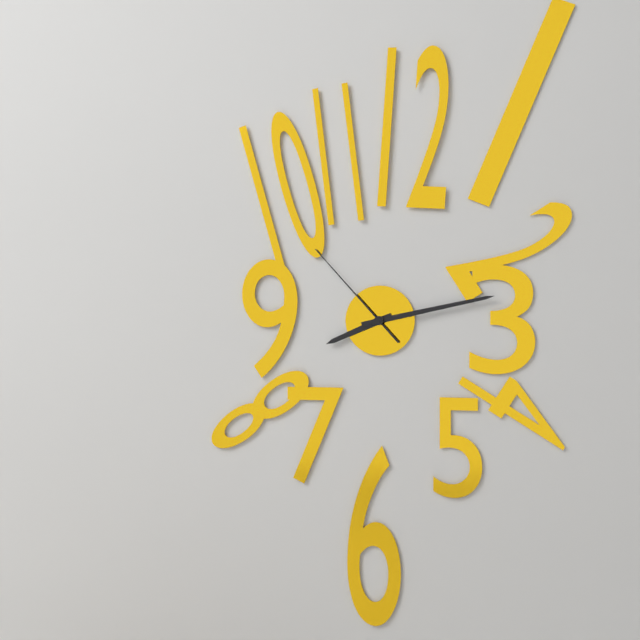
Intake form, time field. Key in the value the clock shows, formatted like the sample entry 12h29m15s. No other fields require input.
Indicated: 8h13m53s
